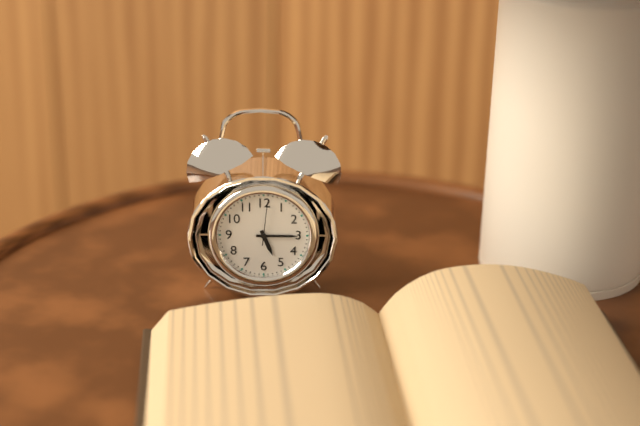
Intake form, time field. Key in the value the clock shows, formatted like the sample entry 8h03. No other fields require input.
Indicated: 5h15
